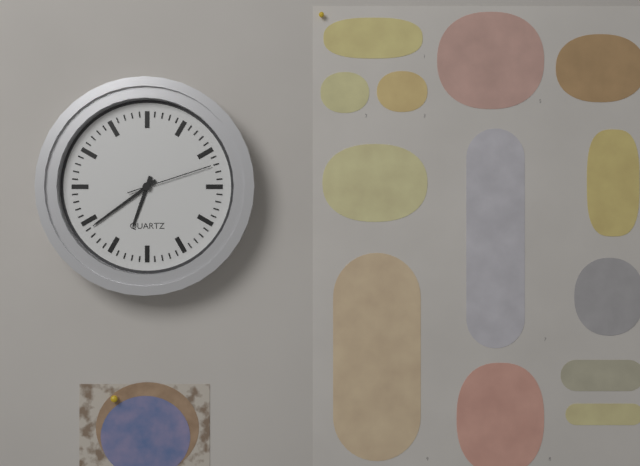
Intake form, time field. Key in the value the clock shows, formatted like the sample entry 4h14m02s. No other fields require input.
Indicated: 6h39m12s
